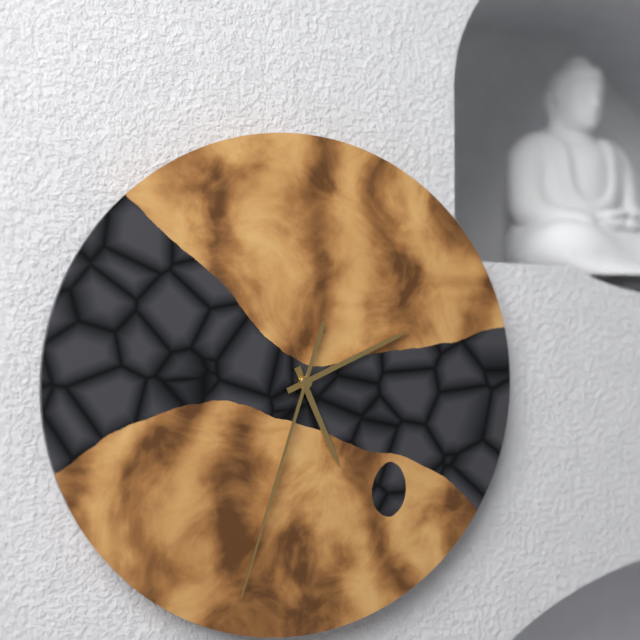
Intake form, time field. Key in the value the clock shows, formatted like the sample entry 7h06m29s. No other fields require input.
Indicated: 5h11m33s
